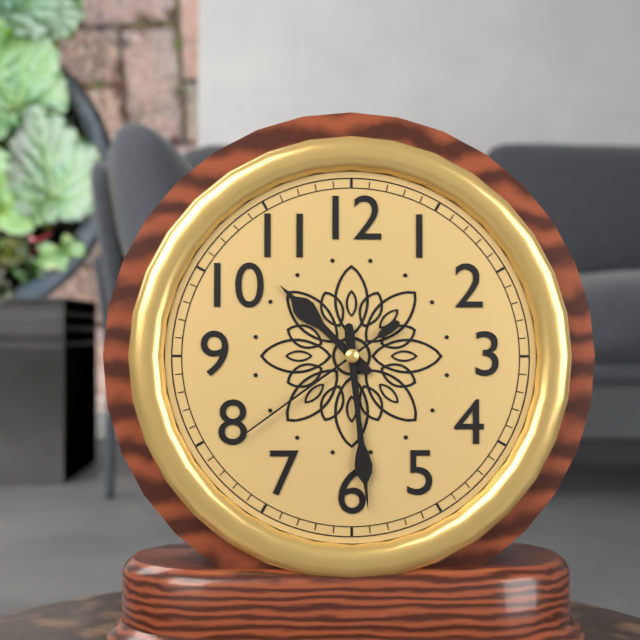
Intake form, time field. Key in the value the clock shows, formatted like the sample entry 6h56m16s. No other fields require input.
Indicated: 10h29m39s
